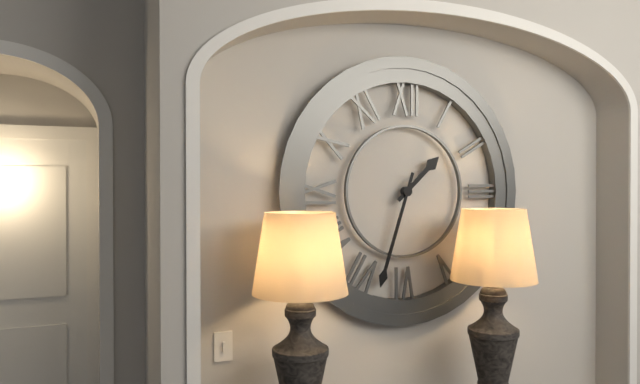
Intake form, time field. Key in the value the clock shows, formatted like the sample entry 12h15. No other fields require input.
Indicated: 1h33
